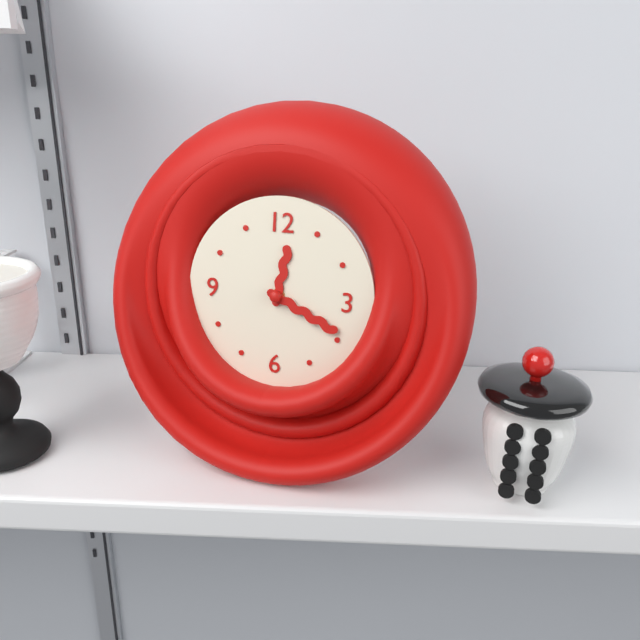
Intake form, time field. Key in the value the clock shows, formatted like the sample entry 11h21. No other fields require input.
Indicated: 12h19
